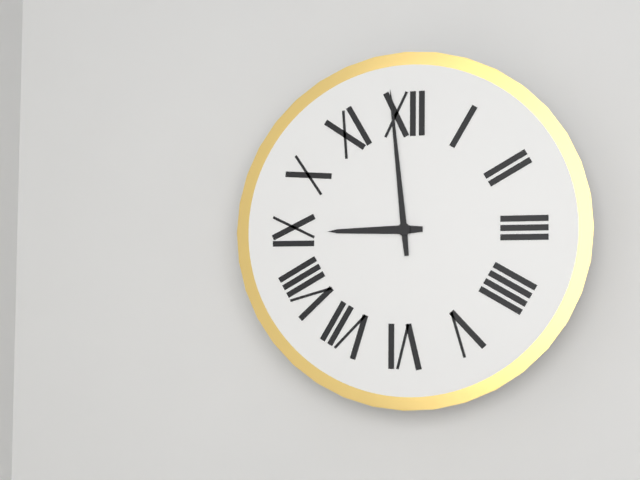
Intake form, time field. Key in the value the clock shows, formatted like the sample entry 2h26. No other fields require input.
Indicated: 8h59
